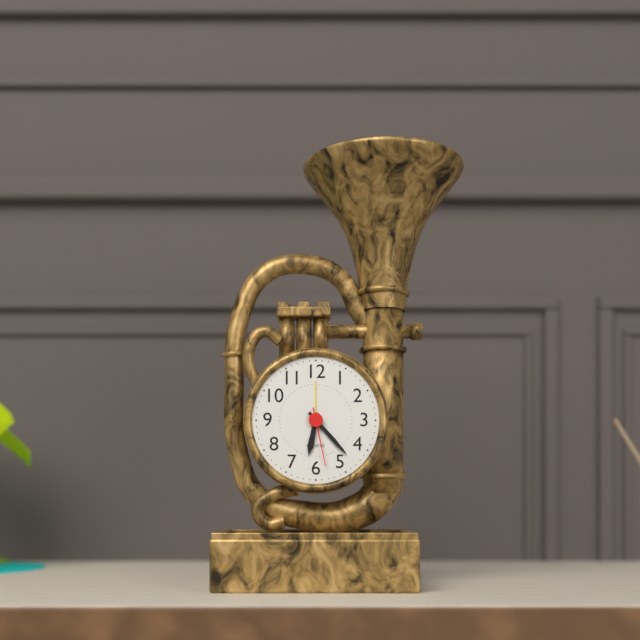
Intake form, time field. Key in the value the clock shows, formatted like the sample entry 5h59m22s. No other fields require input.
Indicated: 6h23m28s
